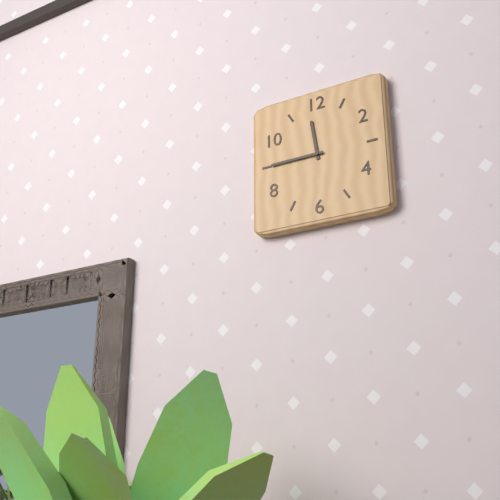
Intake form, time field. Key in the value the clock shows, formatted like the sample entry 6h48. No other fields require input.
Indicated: 11h45
